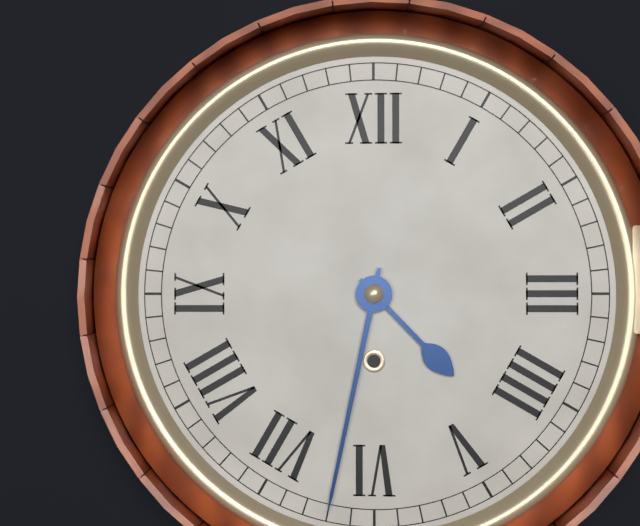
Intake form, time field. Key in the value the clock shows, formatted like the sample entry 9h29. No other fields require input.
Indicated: 4h32
